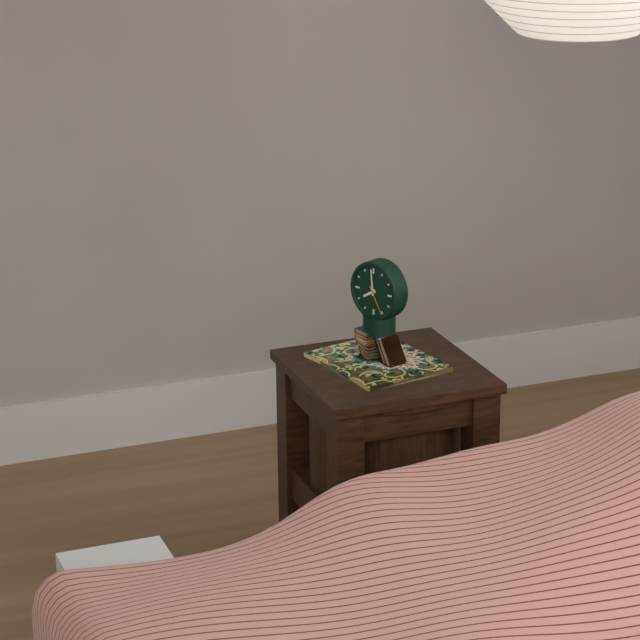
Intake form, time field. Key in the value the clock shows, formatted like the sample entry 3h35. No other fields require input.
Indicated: 7h59
